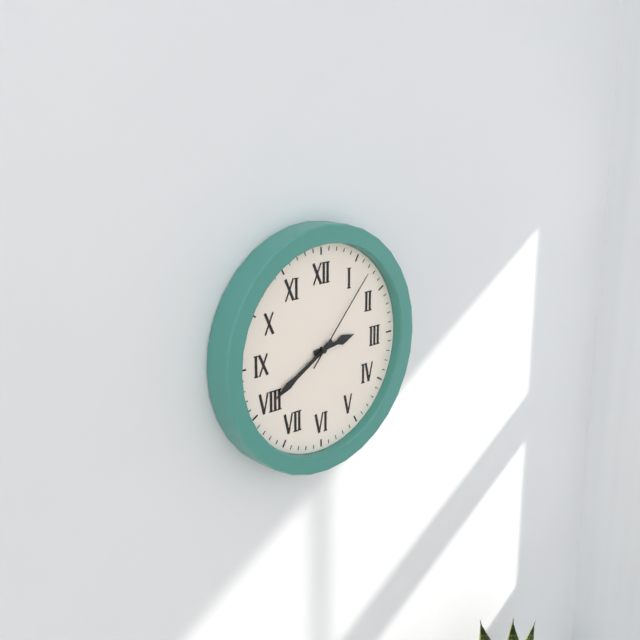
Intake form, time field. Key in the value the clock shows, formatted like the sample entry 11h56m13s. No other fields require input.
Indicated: 2h40m07s
